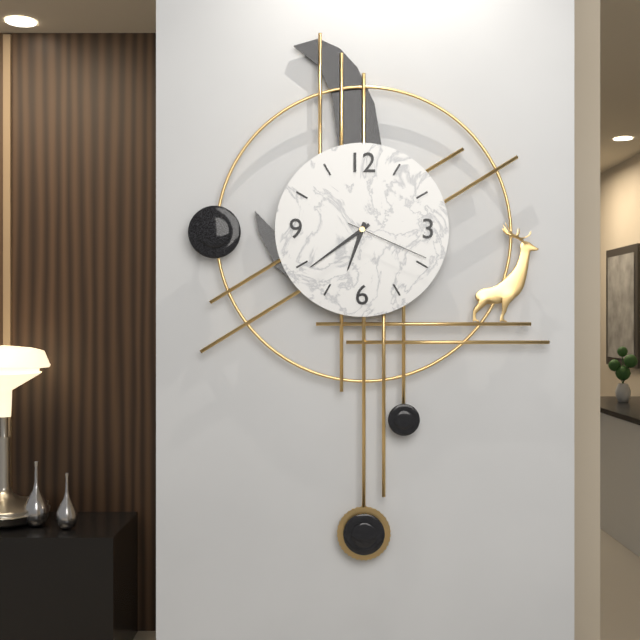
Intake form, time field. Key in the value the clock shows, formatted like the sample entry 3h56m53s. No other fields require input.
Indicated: 6h39m19s
